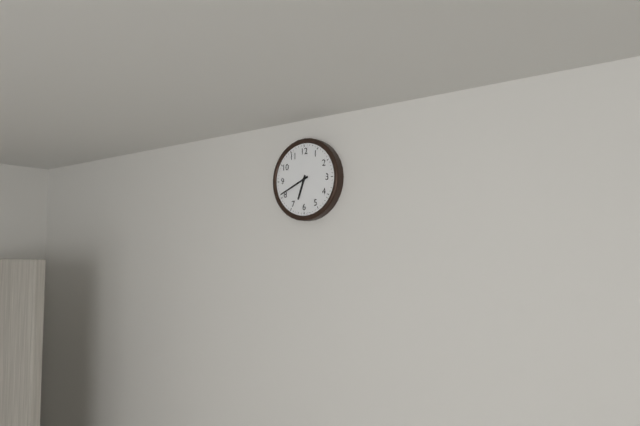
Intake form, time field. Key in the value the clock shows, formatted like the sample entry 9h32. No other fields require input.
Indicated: 6h41
